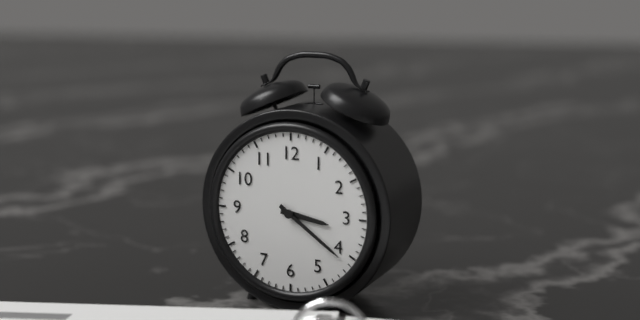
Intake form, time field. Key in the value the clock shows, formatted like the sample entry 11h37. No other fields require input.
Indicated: 3h21
